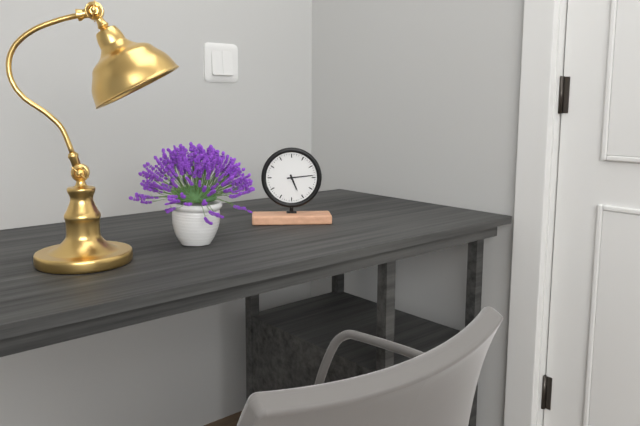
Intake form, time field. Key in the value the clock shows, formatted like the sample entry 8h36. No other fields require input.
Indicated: 5h14
